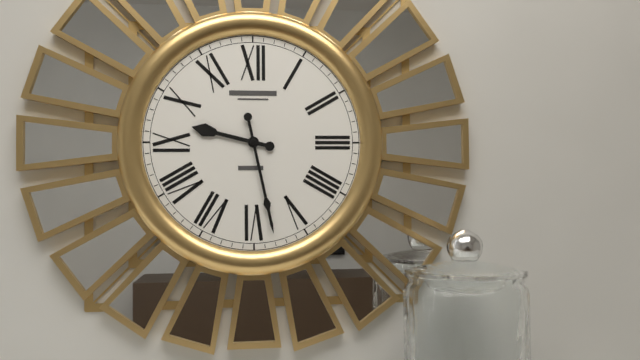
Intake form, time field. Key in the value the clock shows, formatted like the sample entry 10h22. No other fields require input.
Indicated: 9h28
